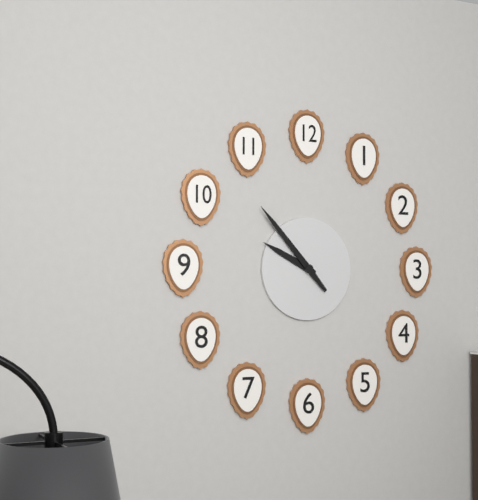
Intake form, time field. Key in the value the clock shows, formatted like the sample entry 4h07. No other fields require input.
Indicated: 9h53
